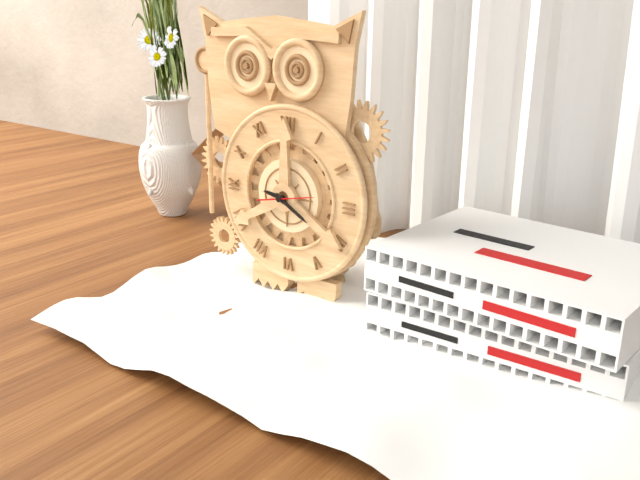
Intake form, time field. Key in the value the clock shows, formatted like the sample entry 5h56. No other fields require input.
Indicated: 9h20
